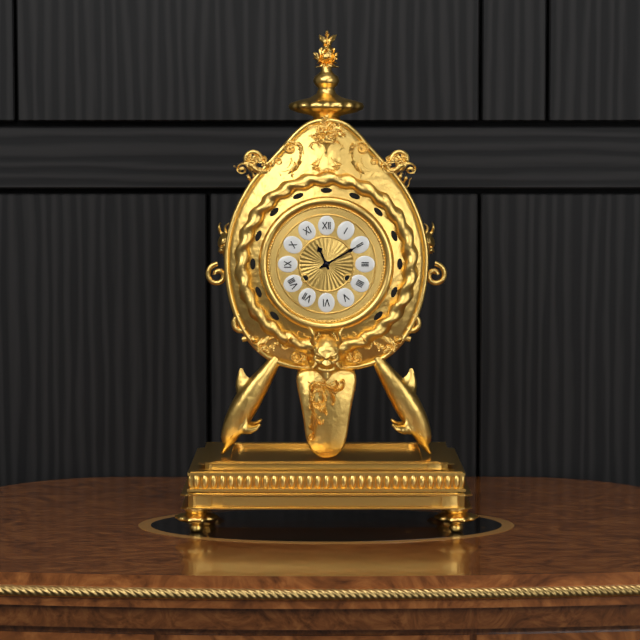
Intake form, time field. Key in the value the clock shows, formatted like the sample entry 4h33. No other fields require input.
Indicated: 11h10
